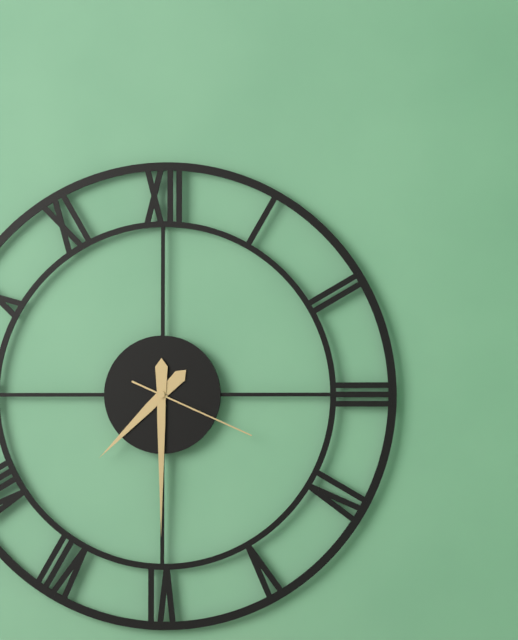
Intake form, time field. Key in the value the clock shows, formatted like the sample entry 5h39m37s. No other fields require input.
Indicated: 7h30m19s
